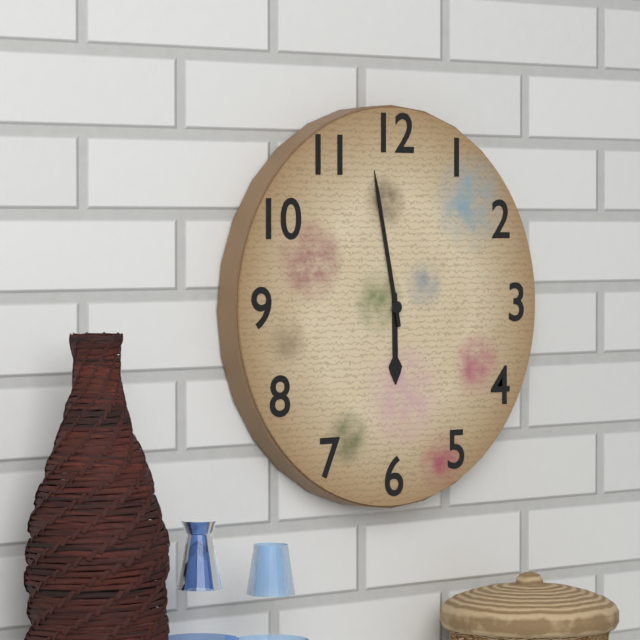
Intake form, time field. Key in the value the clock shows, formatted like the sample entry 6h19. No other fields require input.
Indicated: 5h58
